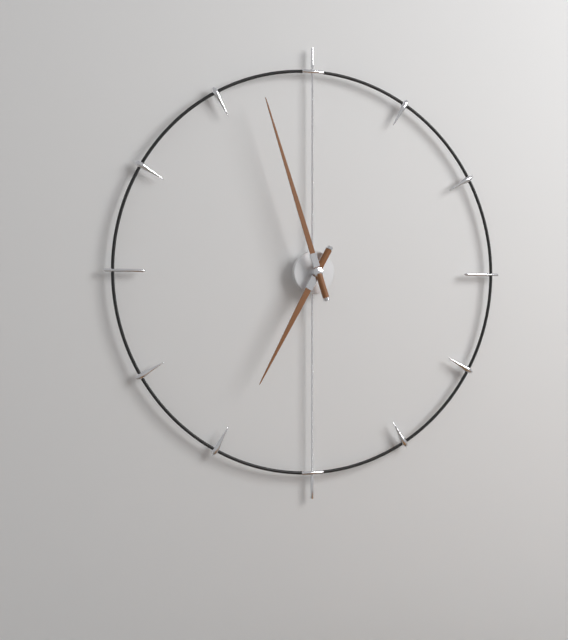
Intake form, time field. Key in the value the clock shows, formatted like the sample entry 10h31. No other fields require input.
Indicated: 6h57
